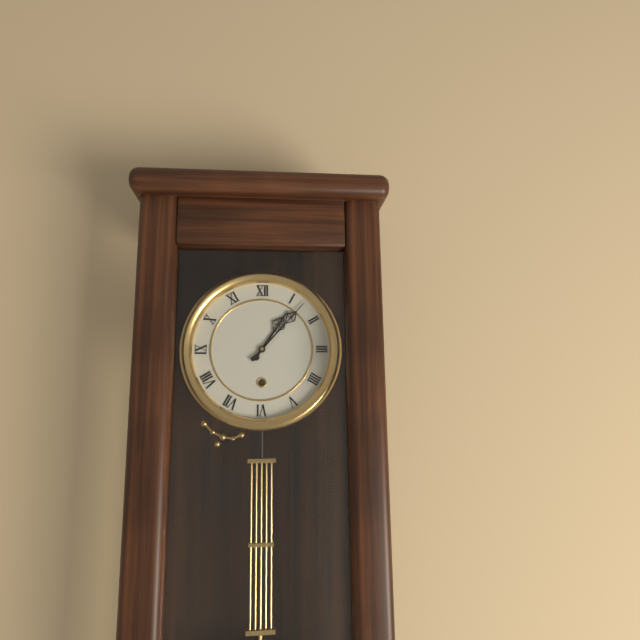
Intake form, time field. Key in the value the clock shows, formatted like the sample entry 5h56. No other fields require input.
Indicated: 1h07
